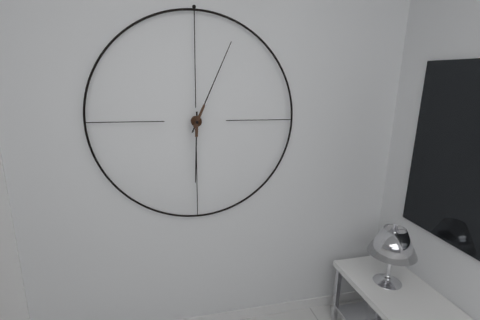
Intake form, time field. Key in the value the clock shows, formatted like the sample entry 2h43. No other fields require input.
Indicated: 6h04
